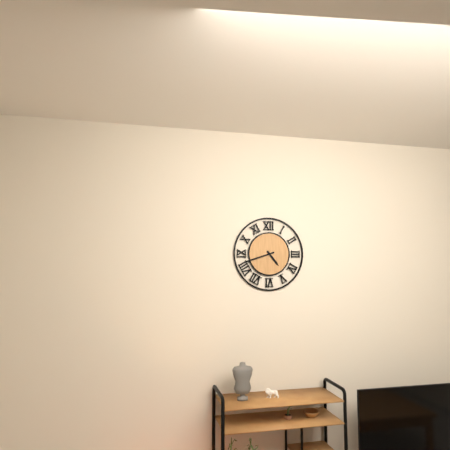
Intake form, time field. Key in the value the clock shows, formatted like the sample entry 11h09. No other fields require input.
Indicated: 4h42
